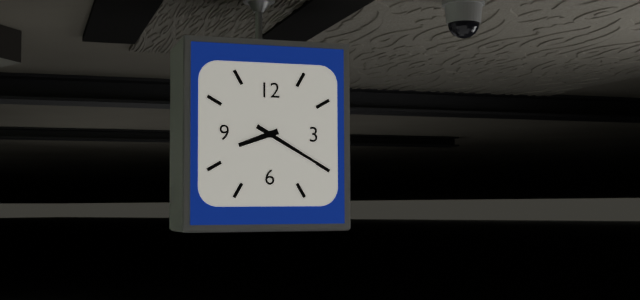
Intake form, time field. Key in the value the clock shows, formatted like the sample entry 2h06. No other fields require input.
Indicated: 8h20
